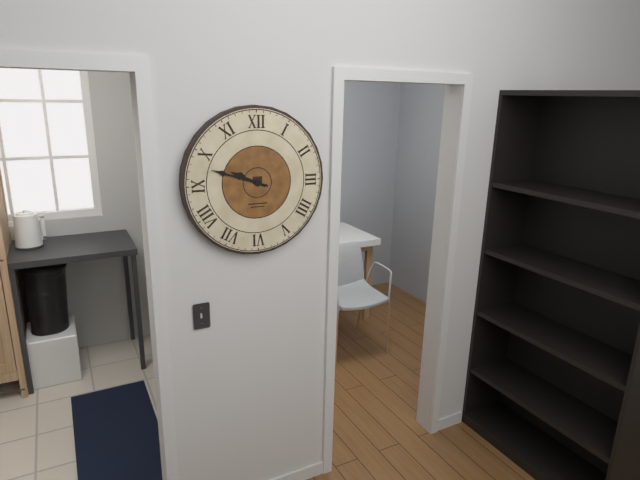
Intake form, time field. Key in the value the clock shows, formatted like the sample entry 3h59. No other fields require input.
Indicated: 9h48
